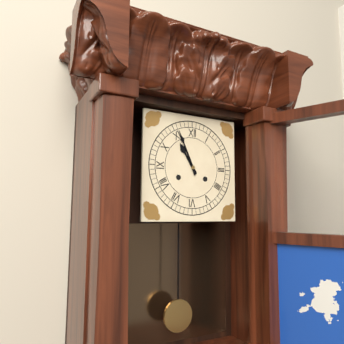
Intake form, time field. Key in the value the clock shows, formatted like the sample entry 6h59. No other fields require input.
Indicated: 10h56
